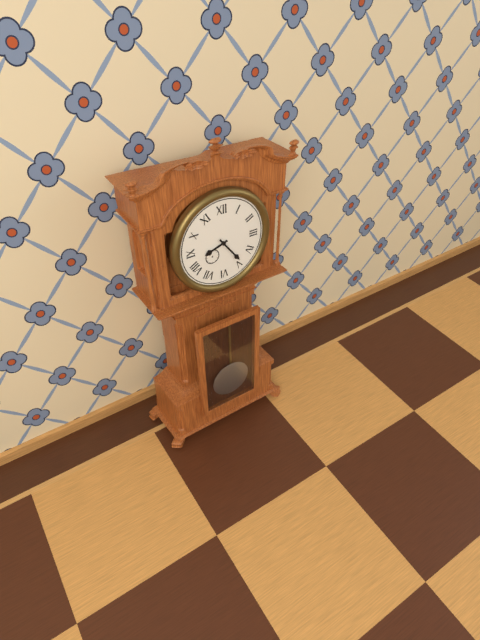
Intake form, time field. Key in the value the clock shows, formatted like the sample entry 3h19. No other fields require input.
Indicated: 8h24
